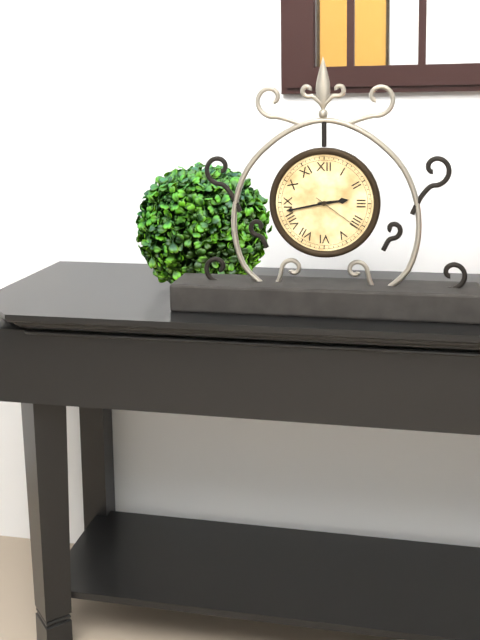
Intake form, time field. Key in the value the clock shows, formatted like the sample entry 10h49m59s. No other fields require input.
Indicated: 2h43m21s
